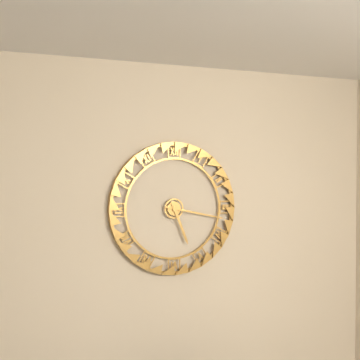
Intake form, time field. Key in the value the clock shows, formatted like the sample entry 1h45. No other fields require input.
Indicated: 5h17
